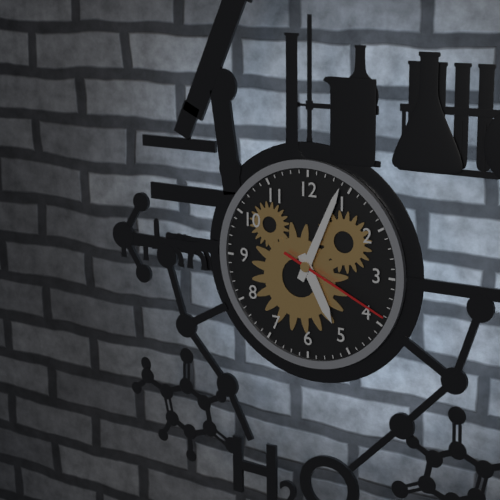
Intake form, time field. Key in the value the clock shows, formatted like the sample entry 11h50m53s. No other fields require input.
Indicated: 5h04m19s
